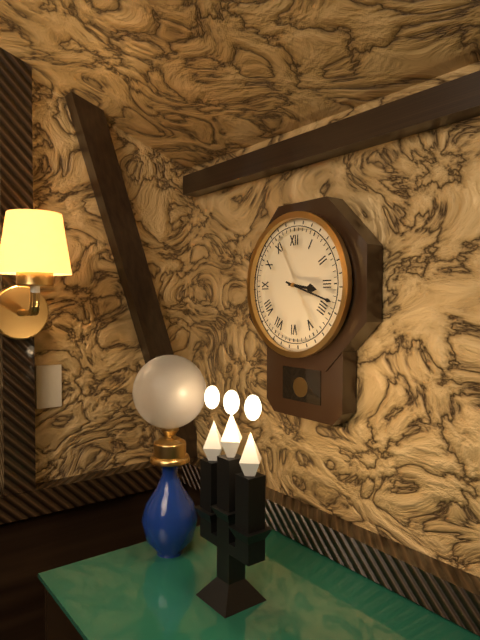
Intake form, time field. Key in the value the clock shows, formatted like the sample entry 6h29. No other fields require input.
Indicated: 3h18
